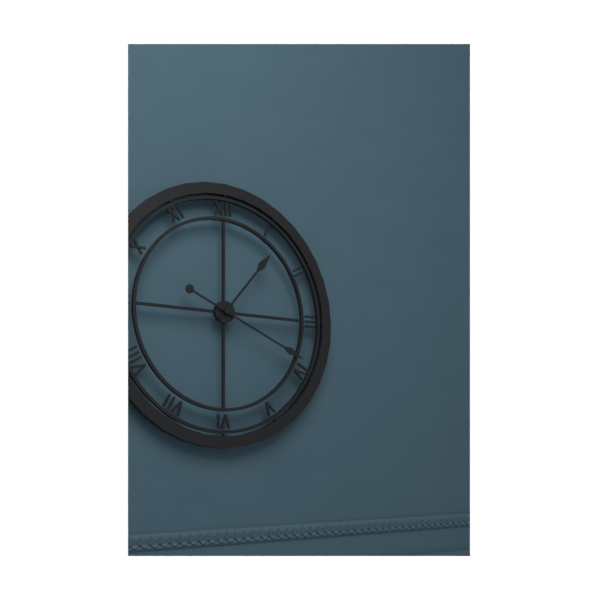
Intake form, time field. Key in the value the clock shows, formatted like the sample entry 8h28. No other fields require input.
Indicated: 1h19
